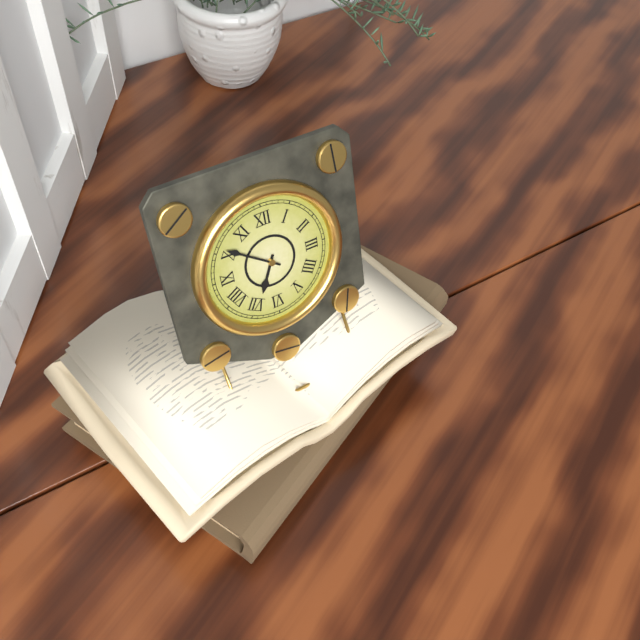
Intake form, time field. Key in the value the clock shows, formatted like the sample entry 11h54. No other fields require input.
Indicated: 6h51
